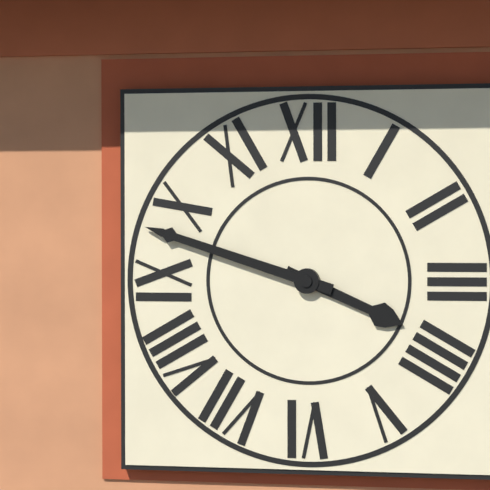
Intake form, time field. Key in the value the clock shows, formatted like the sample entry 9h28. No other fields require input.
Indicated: 3h48
